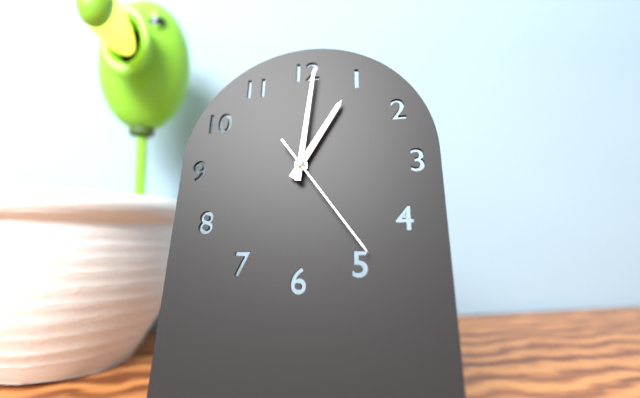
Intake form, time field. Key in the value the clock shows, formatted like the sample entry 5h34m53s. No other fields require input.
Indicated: 1h01m24s
